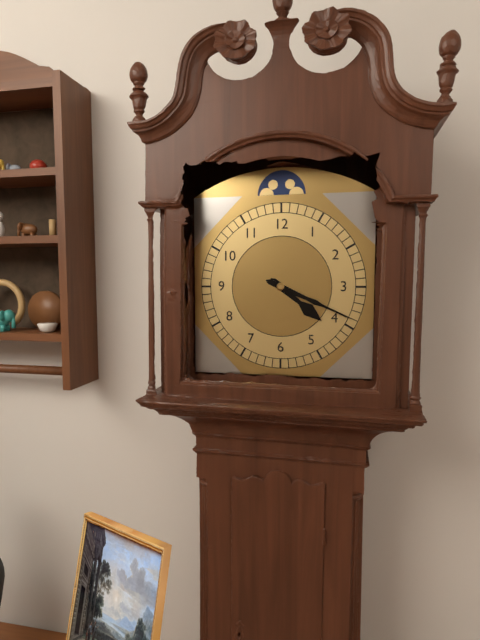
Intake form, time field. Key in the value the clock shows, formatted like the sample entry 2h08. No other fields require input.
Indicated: 4h19
